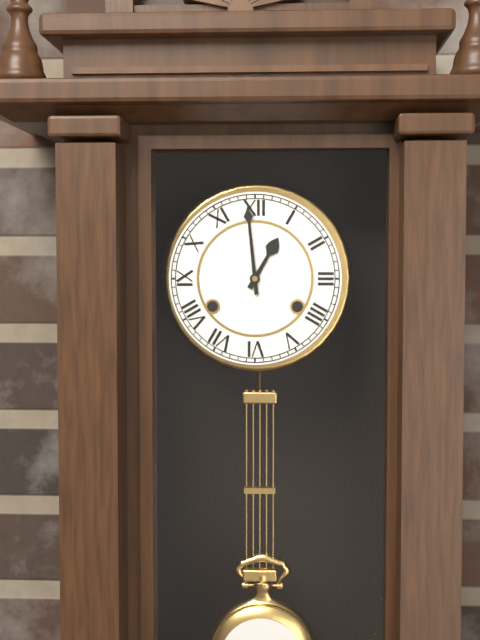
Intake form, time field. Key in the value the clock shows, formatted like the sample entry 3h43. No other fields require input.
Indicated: 12h59
